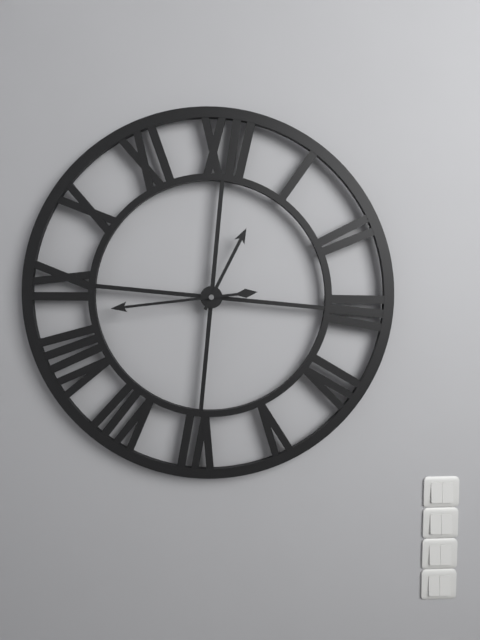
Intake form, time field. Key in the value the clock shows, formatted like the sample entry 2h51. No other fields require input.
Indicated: 12h43
